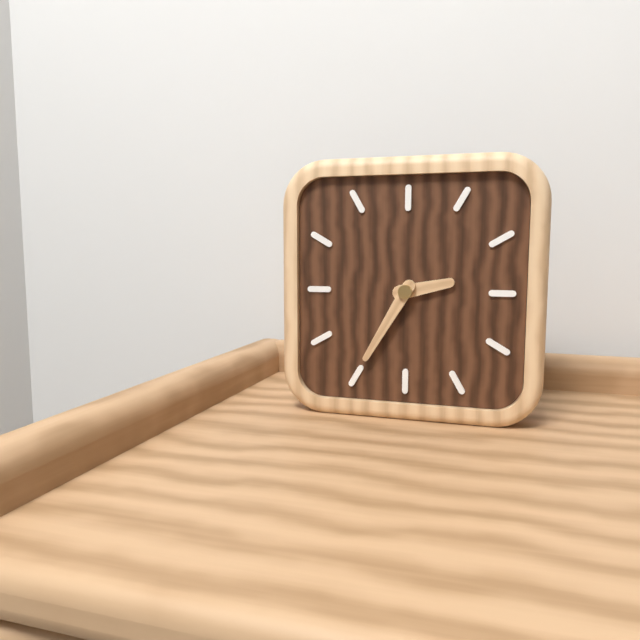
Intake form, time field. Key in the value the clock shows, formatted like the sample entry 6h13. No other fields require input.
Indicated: 2h35
